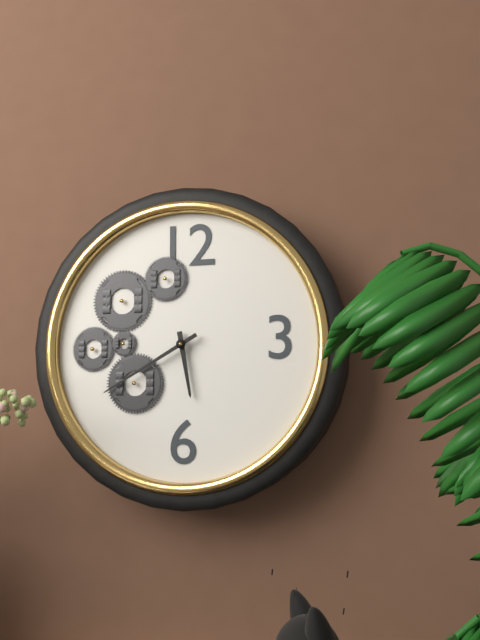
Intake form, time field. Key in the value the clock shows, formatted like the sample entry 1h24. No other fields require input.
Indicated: 5h40
